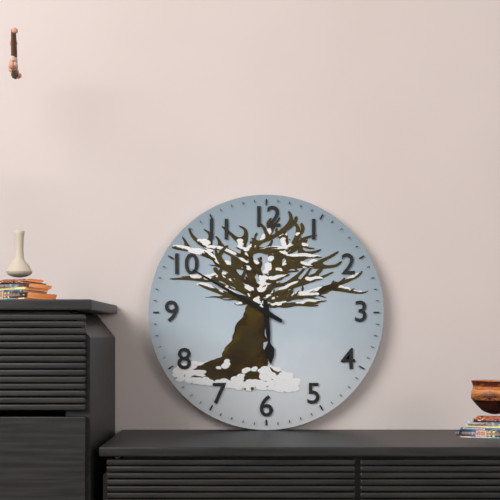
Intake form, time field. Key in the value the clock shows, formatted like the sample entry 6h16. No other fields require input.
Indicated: 5h50
